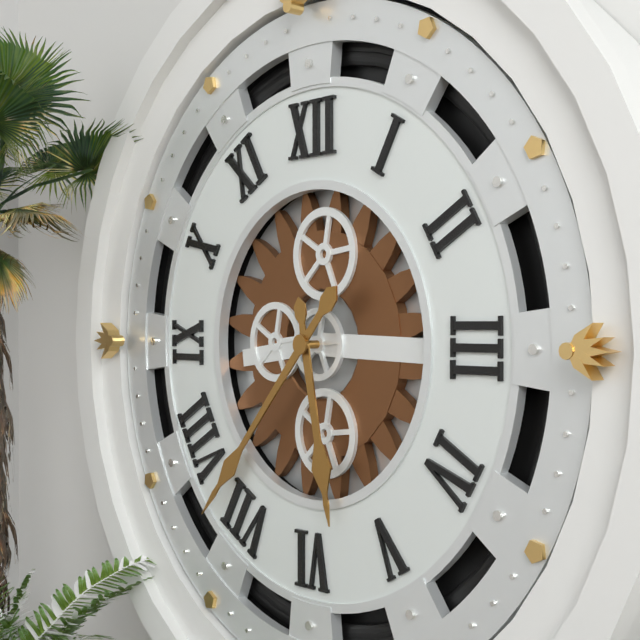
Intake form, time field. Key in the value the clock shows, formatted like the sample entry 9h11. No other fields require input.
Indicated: 5h37
